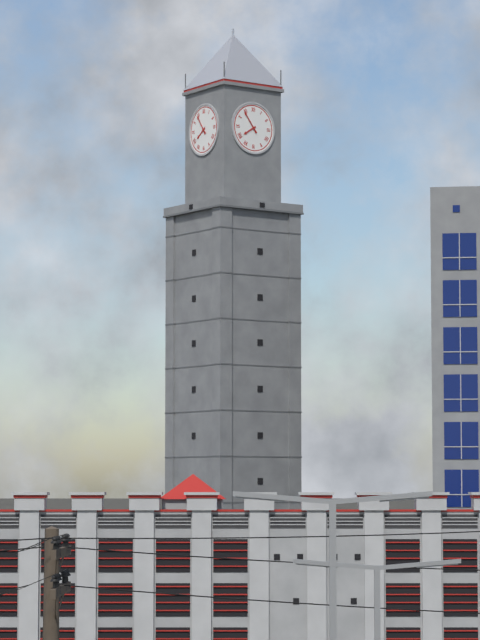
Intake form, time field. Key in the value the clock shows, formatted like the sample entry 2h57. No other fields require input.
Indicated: 7h54
